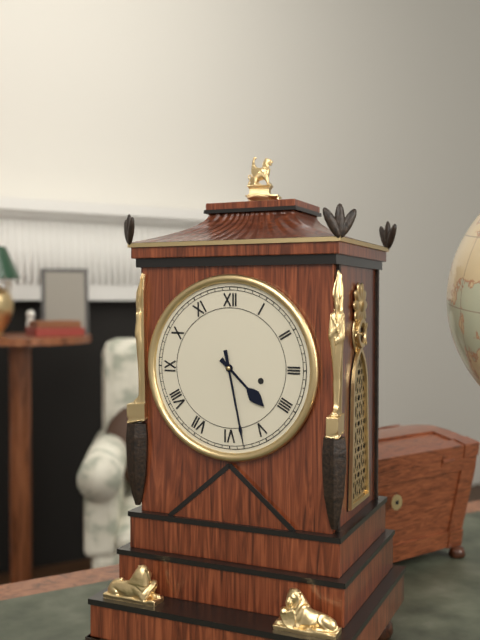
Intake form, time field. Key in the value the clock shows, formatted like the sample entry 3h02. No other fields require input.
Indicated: 4h28
